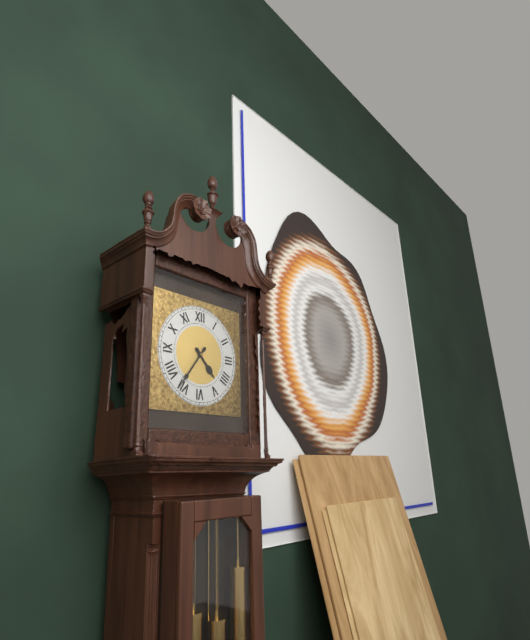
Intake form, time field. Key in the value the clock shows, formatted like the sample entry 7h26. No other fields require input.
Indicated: 4h36
